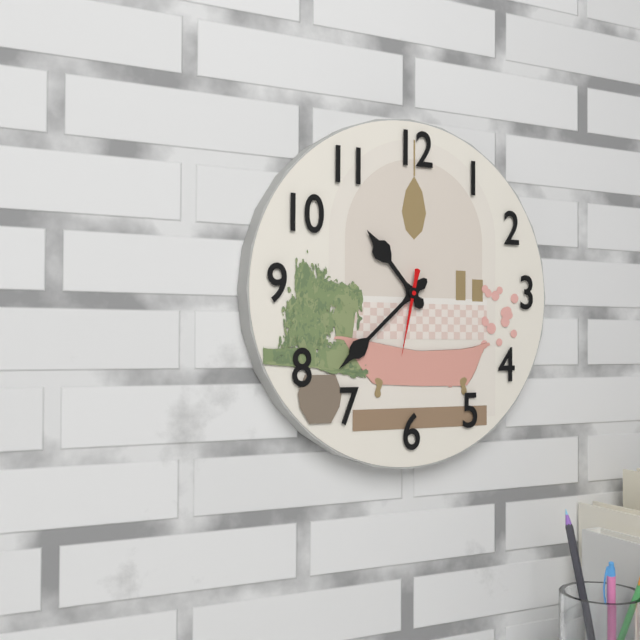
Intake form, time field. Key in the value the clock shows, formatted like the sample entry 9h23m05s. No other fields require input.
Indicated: 10h38m32s
